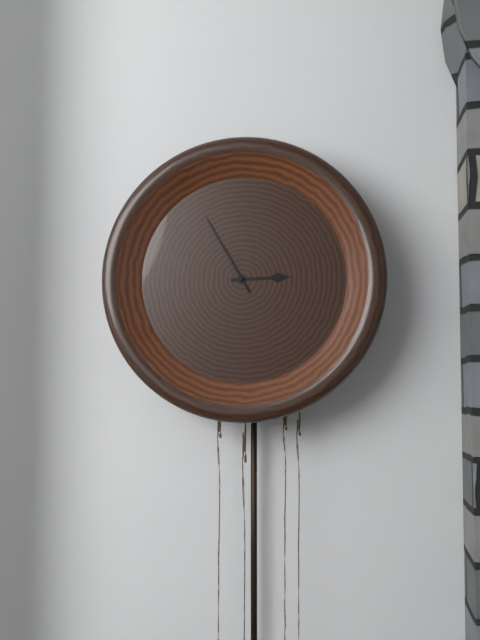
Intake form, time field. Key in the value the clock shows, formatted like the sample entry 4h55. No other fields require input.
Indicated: 2h55
